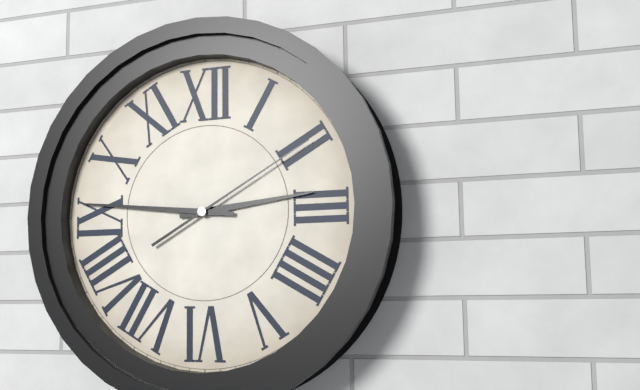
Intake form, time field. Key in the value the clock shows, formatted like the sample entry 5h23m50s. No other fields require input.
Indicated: 2h46m10s
